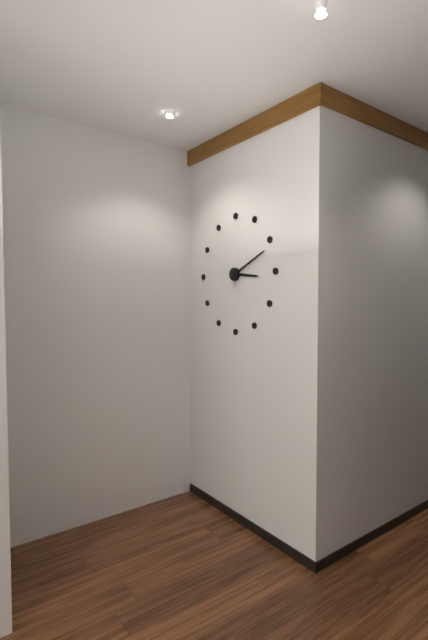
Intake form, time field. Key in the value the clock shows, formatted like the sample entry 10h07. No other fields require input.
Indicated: 3h11
